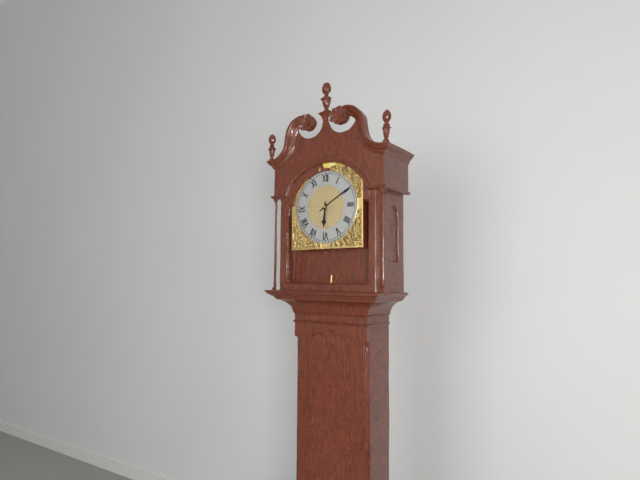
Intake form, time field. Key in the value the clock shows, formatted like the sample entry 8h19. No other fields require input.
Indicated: 6h10
